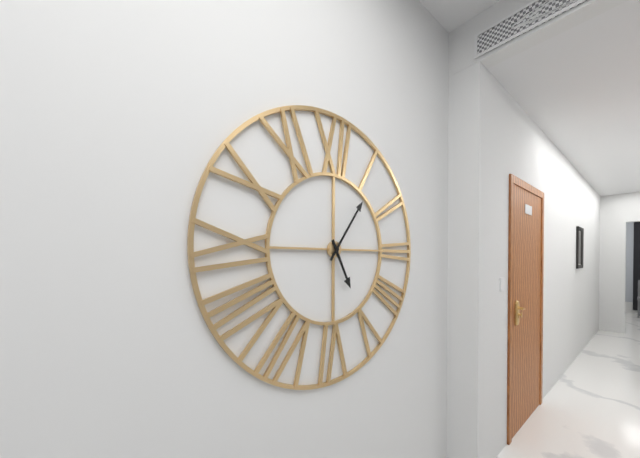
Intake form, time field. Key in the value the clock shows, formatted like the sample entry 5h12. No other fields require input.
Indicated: 5h06
